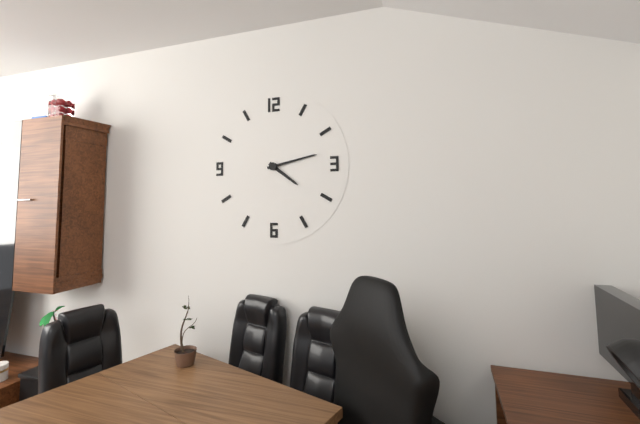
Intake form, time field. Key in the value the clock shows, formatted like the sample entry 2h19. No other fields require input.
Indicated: 4h13
